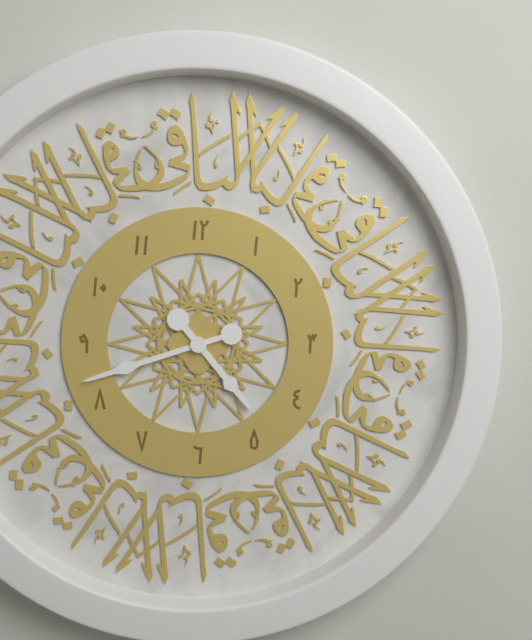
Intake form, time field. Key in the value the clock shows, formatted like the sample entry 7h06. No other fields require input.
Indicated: 4h42
